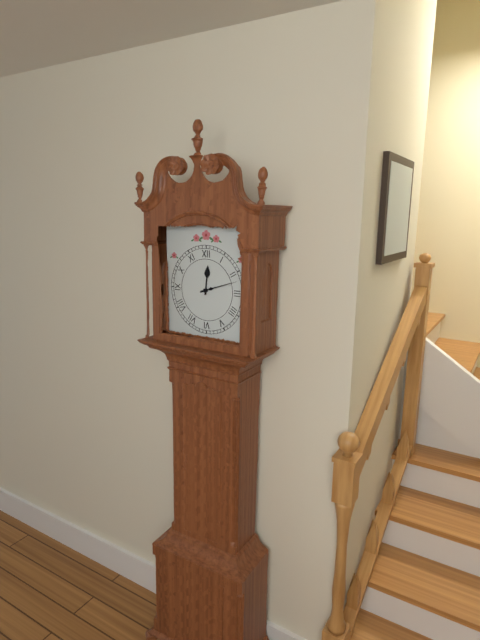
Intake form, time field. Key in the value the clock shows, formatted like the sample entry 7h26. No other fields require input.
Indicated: 12h12
